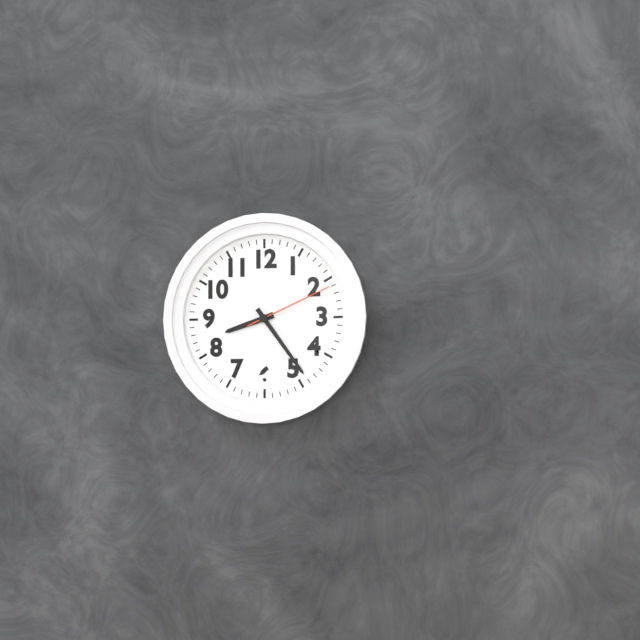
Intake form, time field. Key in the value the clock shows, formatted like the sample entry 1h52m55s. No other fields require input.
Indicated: 8h24m11s
